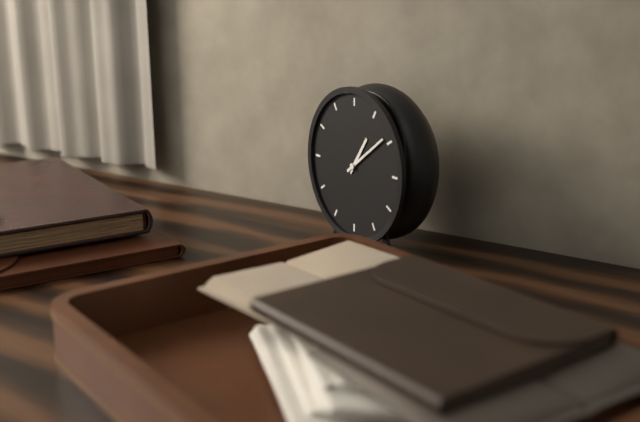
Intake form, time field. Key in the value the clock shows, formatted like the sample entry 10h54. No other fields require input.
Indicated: 1h09
